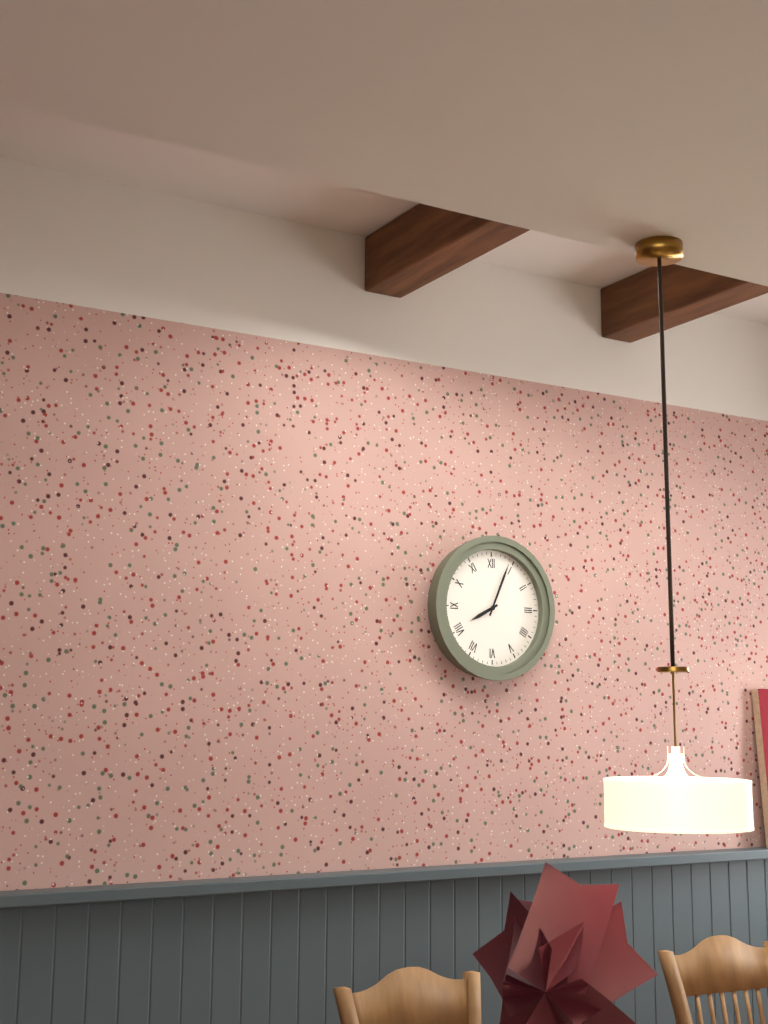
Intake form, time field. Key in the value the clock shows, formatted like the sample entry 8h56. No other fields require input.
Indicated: 8h04
